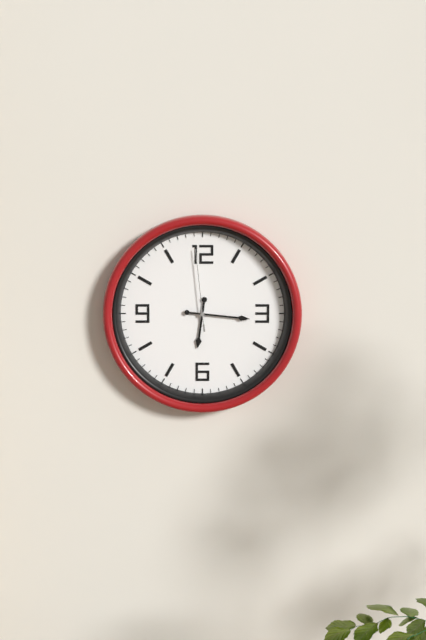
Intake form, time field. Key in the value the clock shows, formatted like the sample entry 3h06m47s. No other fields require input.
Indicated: 6h16m59s
